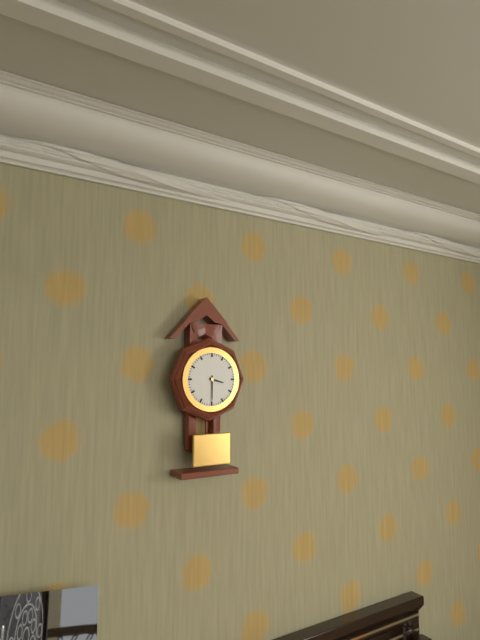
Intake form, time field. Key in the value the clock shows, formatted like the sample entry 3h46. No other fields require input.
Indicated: 3h30
